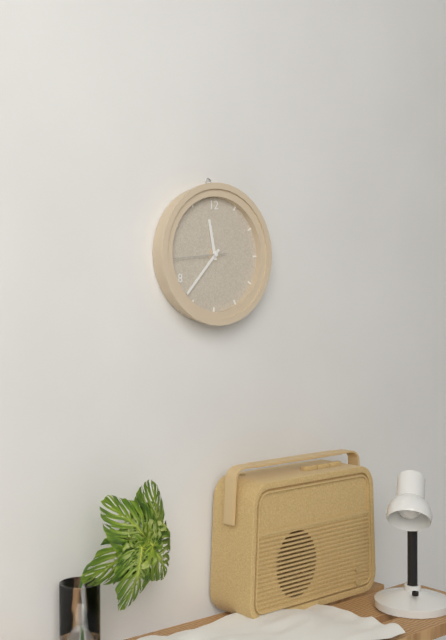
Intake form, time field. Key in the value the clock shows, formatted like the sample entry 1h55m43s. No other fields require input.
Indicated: 11h37m44s
